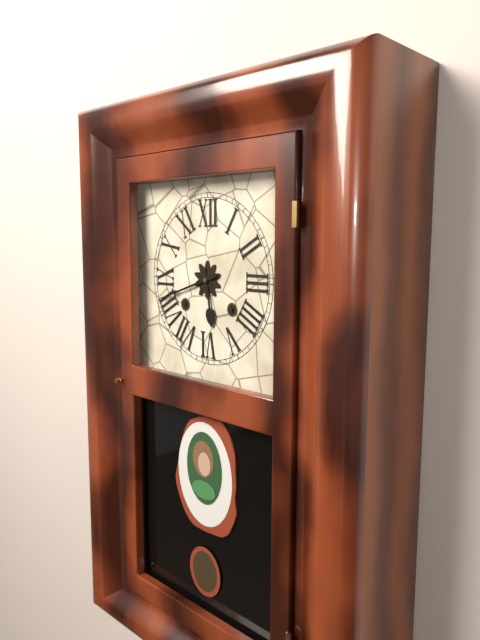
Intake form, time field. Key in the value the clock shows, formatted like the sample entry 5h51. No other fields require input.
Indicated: 5h42
